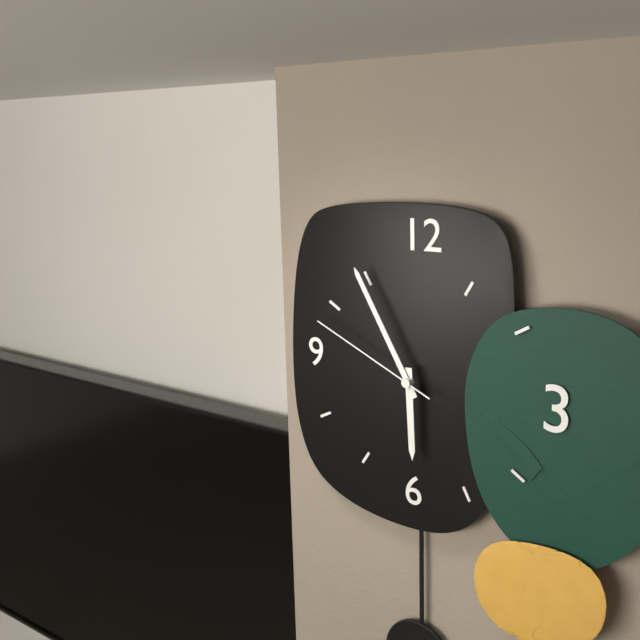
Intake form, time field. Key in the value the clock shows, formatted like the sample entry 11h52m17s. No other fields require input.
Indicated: 5h55m49s
